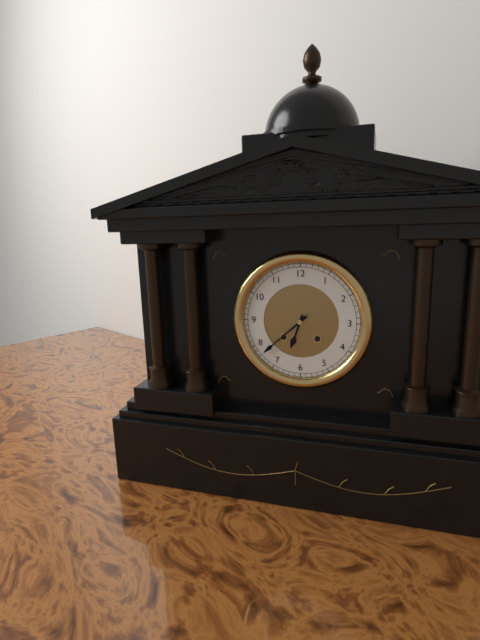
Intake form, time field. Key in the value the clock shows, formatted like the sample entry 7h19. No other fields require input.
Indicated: 6h38
